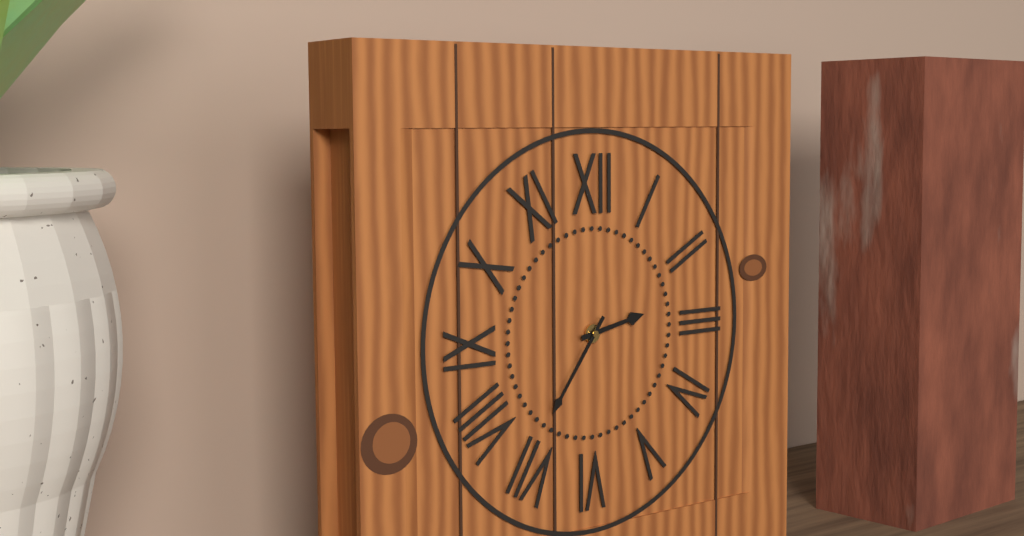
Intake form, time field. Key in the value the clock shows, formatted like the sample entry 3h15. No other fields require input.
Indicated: 2h36
